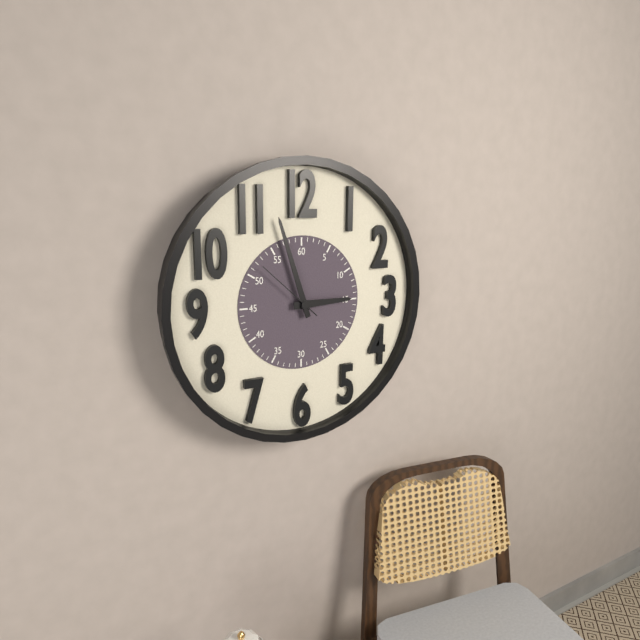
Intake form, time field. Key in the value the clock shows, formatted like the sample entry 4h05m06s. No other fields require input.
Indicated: 2h57m52s
